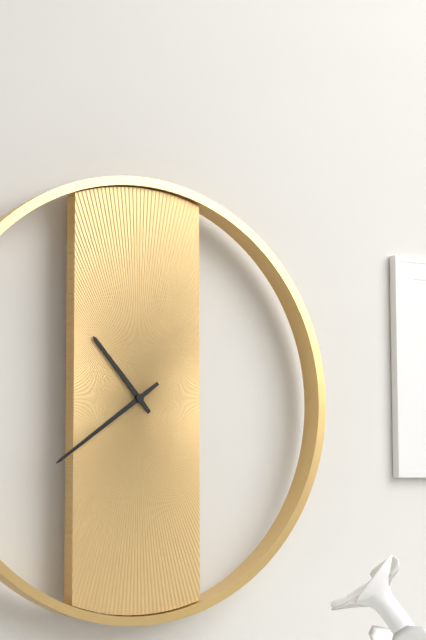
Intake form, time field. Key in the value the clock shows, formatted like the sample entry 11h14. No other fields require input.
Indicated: 10h39
